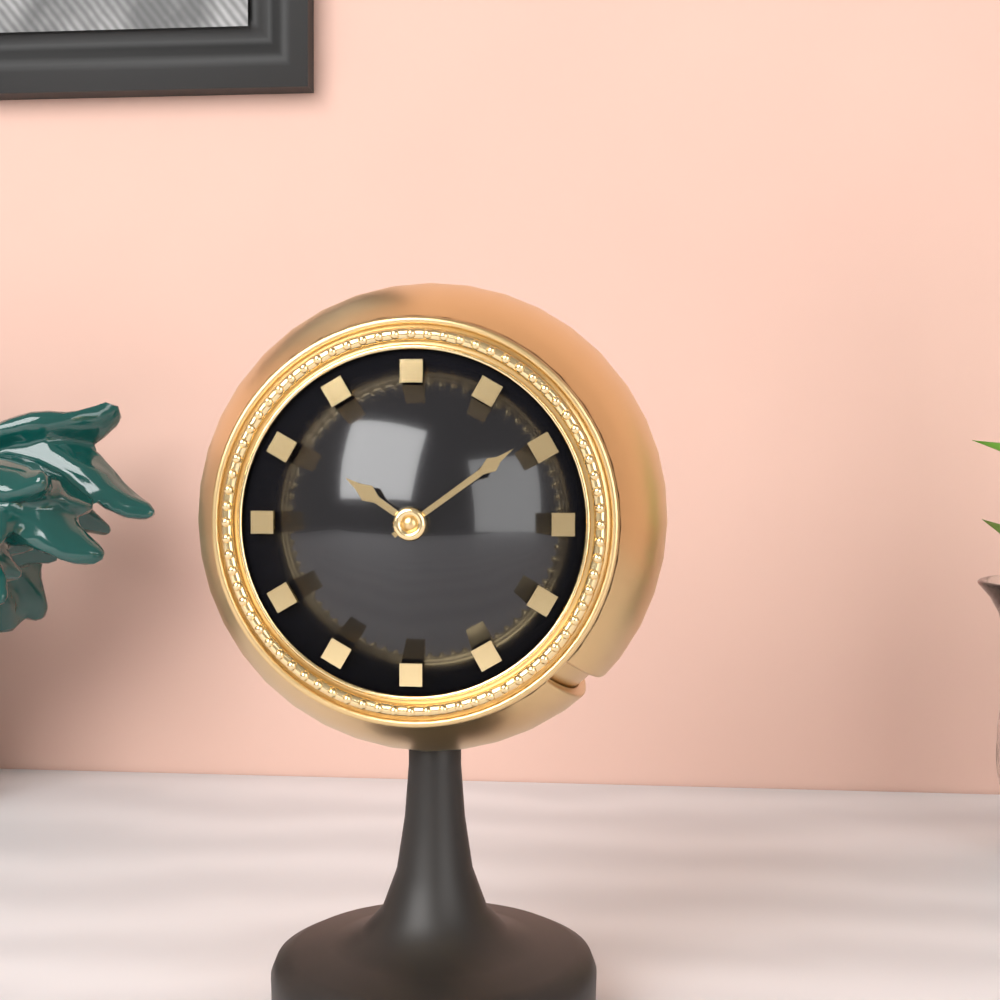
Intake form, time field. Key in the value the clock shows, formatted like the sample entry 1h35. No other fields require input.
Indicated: 10h09
